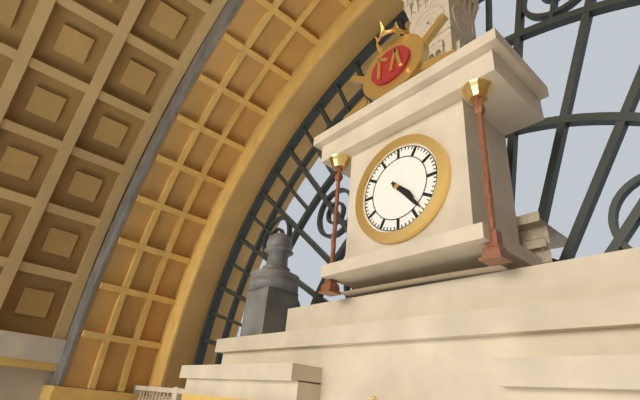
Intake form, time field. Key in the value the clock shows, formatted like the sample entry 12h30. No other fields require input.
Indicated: 4h23
